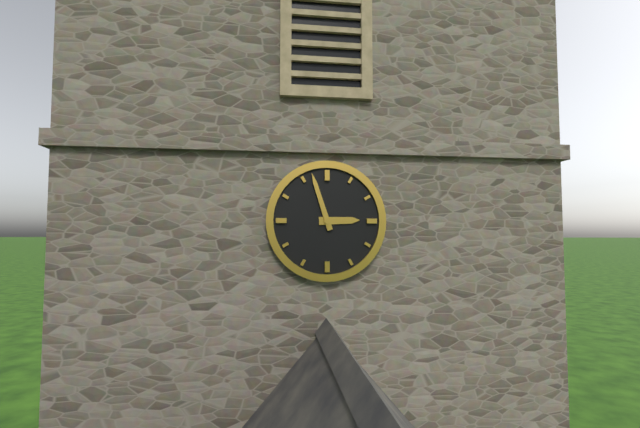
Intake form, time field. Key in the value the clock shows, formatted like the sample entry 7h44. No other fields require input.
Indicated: 2h57
